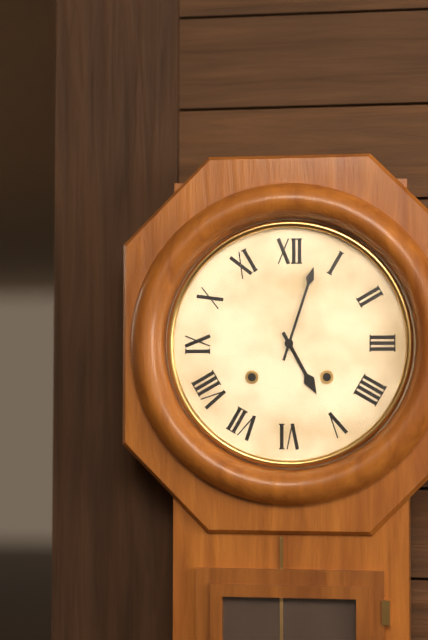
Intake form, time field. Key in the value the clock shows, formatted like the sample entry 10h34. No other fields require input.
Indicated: 5h03
